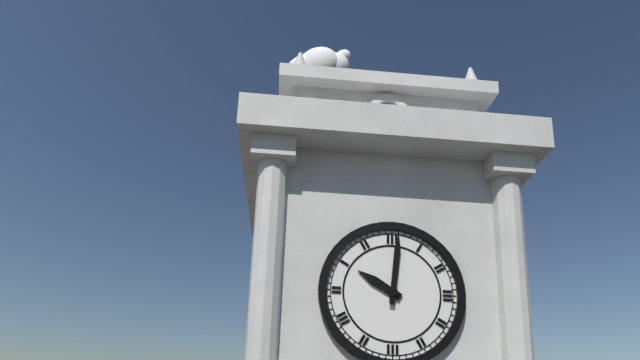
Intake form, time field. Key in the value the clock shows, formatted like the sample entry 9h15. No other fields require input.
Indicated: 10h01
